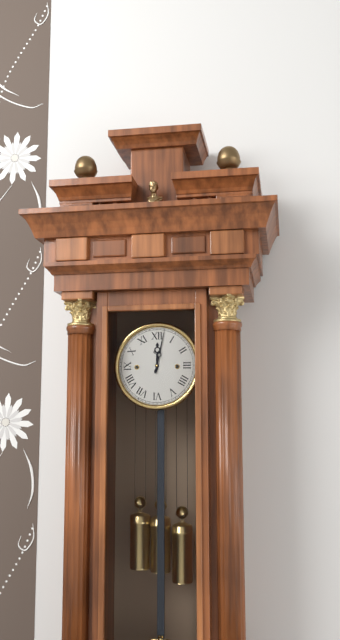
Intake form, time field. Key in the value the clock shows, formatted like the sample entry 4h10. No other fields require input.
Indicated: 12h02
